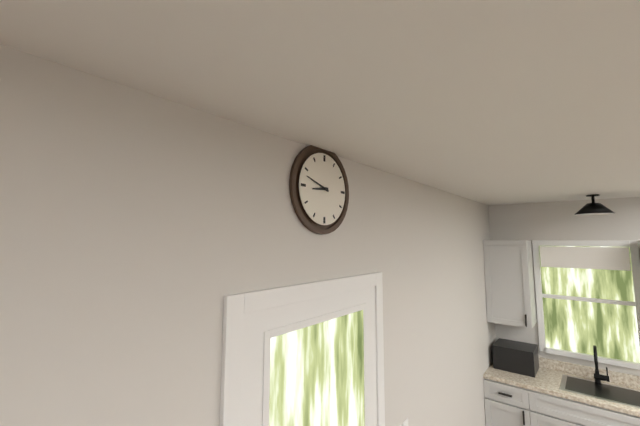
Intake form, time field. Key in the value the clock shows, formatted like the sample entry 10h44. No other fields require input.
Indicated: 8h48
